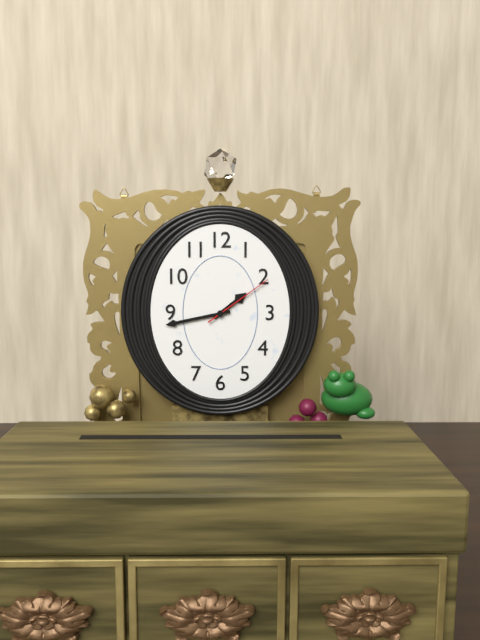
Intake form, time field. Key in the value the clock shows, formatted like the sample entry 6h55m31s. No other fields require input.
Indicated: 1h43m09s
